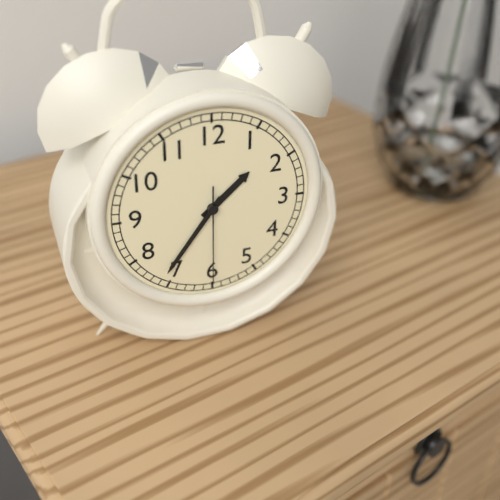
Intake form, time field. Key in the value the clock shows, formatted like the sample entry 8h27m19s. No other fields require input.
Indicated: 1h36m30s
